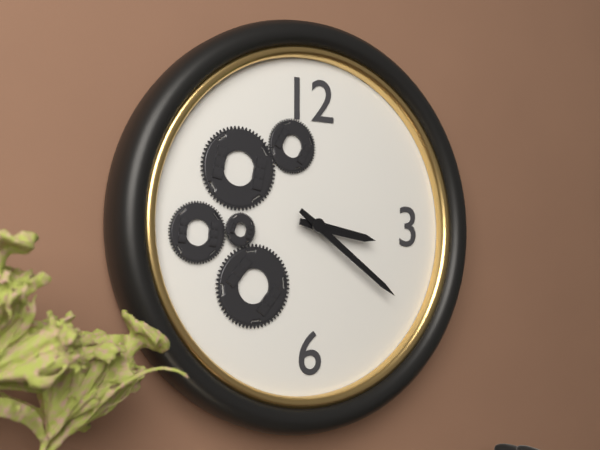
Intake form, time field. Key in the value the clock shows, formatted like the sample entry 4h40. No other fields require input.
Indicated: 3h21
